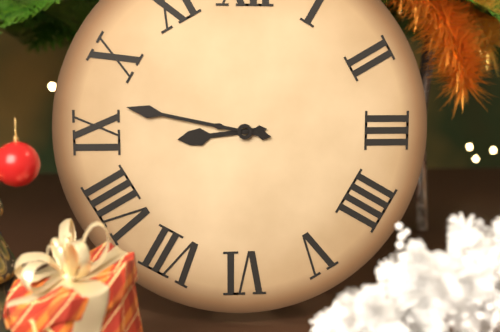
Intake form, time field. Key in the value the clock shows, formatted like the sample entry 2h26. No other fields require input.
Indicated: 8h47
